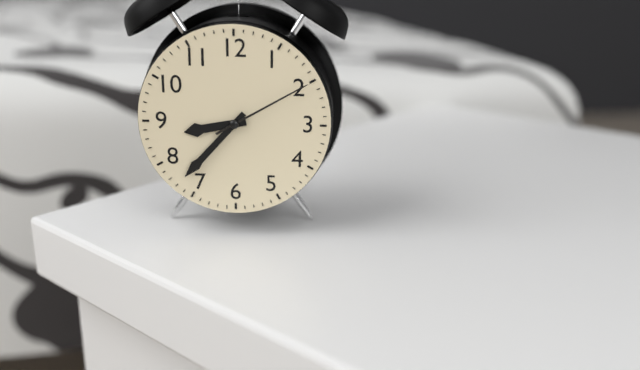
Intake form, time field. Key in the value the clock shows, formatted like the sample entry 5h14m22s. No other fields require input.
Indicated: 8h37m10s
